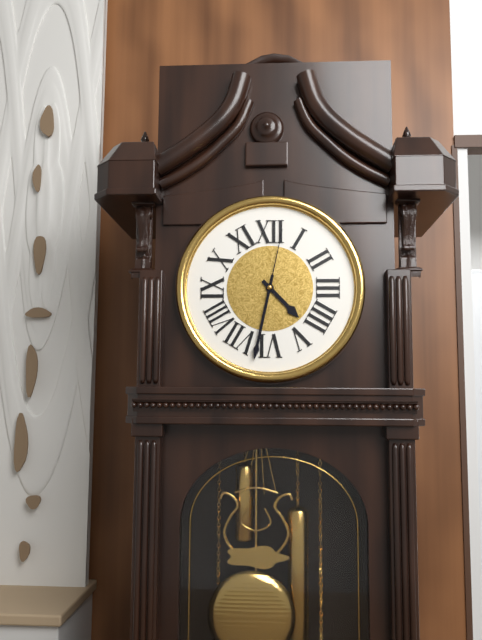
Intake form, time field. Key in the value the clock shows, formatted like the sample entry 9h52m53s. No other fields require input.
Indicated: 4h32m02s
